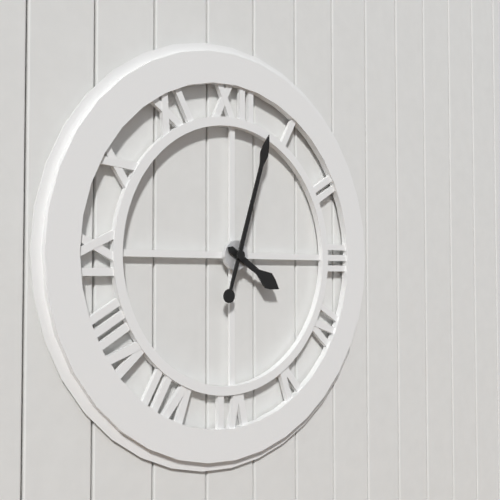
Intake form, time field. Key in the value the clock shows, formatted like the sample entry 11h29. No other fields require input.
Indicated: 4h03
